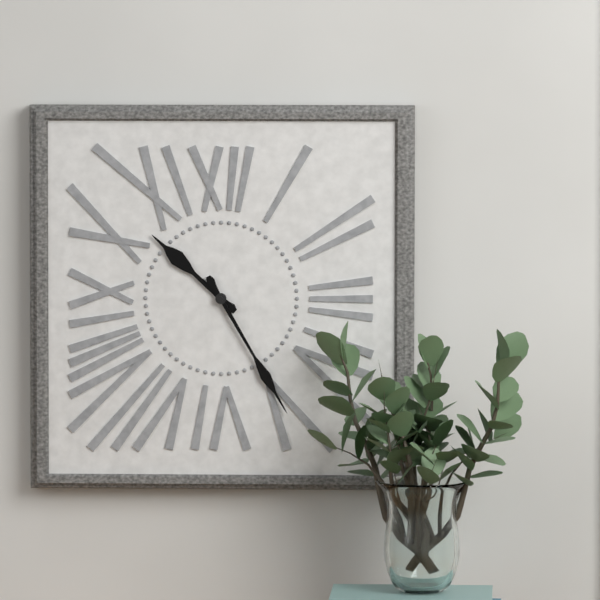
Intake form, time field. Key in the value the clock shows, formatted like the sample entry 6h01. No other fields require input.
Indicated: 10h25
